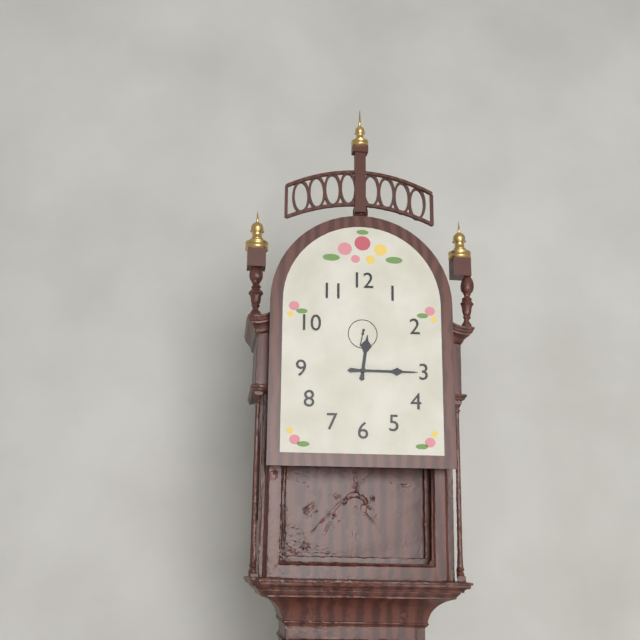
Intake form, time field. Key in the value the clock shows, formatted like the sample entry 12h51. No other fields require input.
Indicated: 12h15
